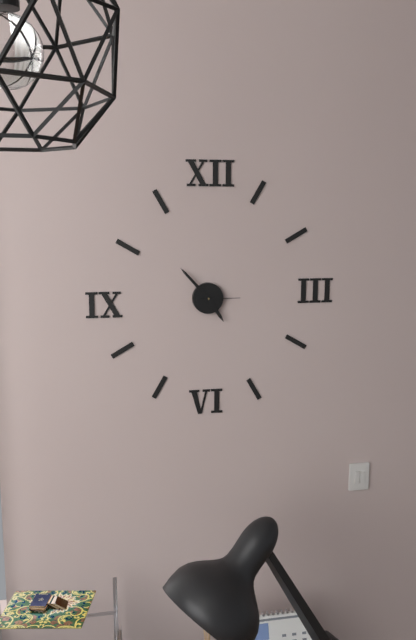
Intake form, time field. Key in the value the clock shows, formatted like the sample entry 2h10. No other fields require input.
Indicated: 4h53
